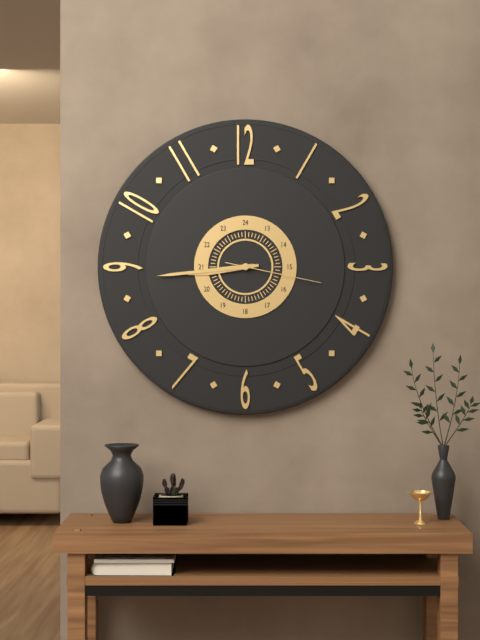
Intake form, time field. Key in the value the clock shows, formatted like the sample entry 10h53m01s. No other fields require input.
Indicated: 8h44m17s
